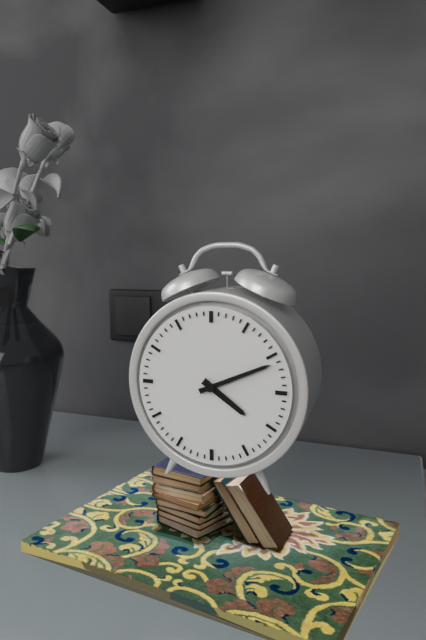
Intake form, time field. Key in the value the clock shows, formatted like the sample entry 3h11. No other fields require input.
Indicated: 4h11
